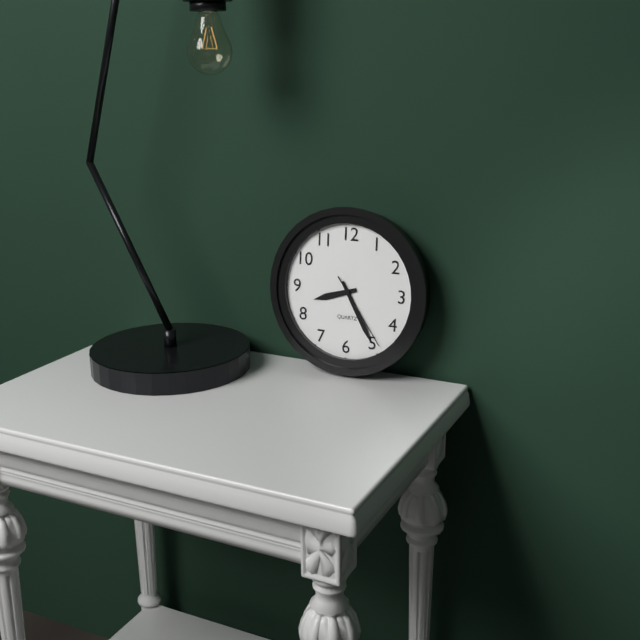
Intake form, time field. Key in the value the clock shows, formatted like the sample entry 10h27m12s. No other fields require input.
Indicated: 8h25m24s
